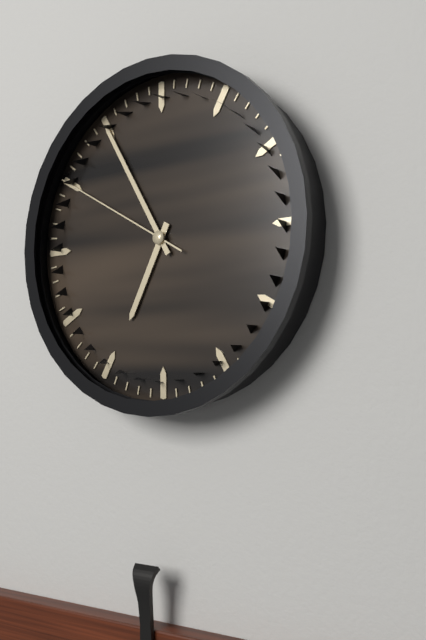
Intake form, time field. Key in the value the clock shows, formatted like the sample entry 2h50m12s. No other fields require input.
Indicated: 6h55m50s
